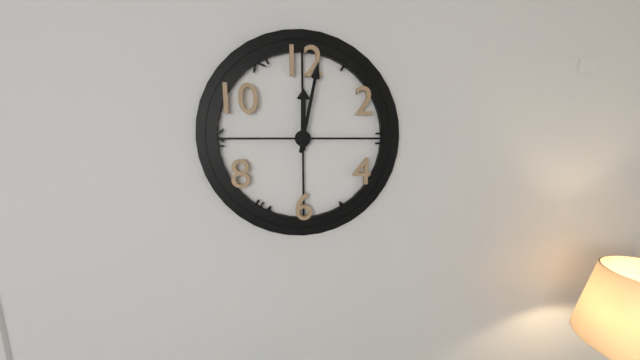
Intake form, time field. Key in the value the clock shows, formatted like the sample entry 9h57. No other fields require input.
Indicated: 12h02
